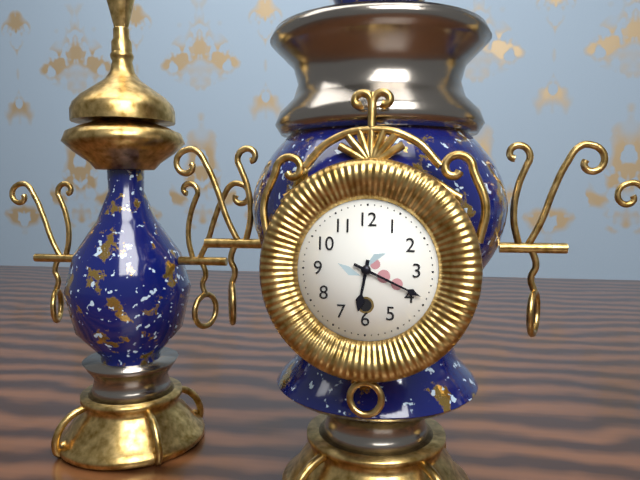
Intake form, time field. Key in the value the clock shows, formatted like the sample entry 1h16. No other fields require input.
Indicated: 6h19
